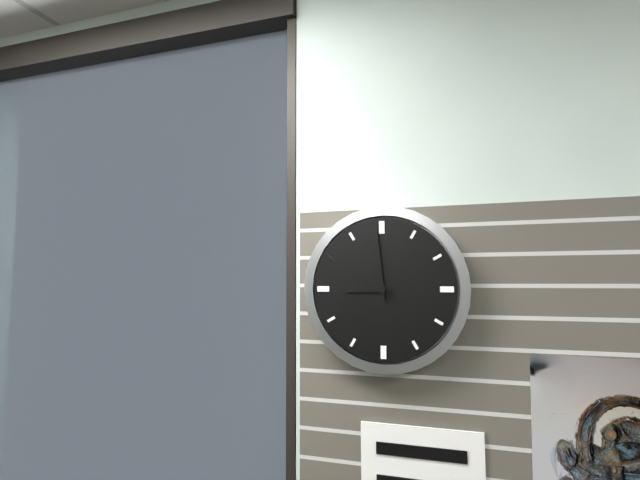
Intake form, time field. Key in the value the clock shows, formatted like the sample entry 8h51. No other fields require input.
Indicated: 8h59
